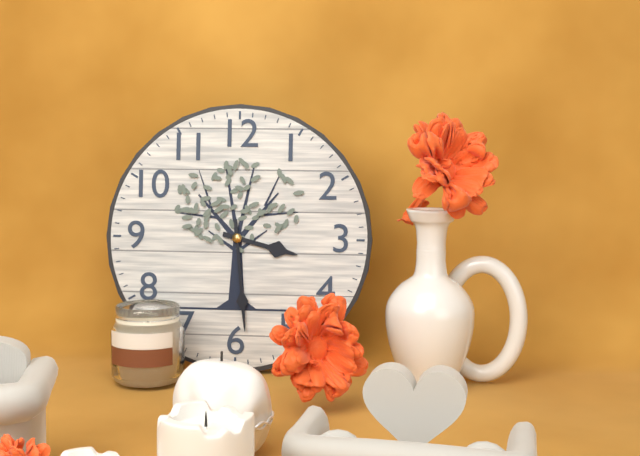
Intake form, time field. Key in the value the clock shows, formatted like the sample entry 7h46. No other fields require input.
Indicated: 3h29
